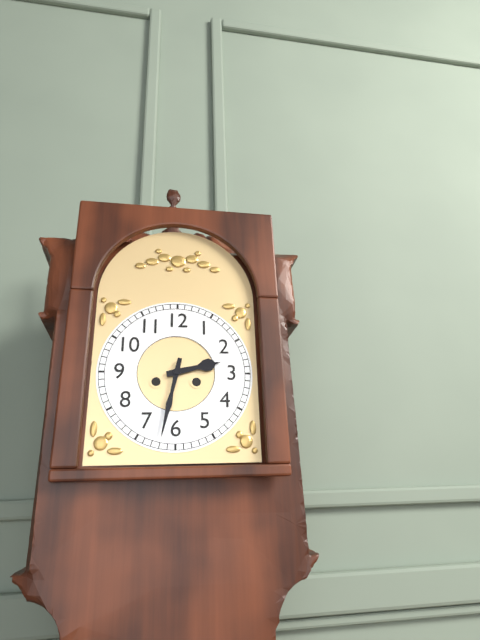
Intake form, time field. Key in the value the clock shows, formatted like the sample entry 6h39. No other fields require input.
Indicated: 2h32
